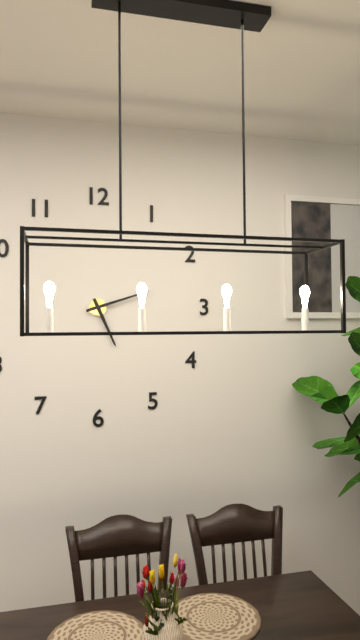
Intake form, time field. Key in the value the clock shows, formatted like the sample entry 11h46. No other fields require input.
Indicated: 5h12
